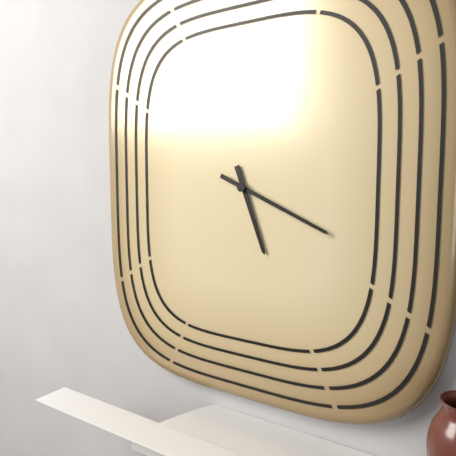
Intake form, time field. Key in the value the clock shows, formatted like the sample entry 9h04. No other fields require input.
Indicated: 5h19
